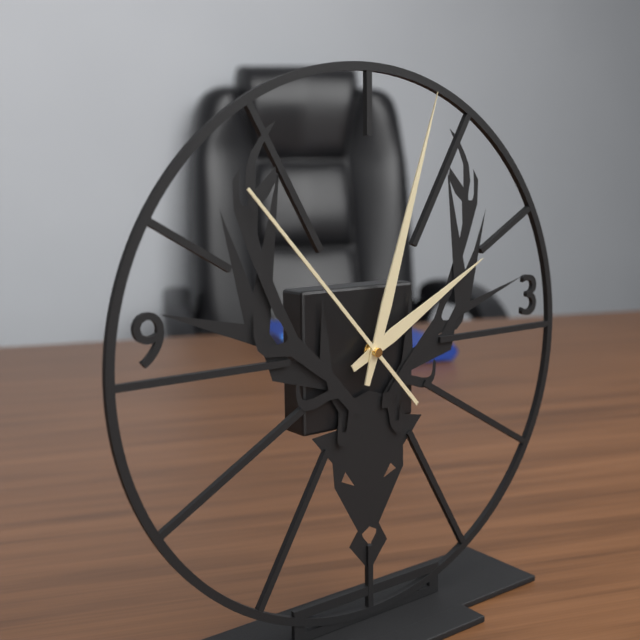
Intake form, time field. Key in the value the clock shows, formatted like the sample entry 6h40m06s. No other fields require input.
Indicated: 2h03m53s
